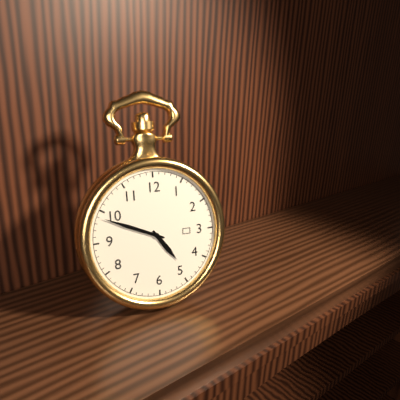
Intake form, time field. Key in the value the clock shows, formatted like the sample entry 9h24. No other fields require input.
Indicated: 4h49
